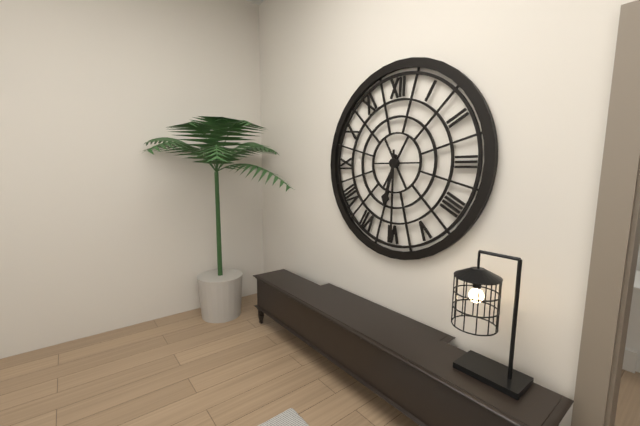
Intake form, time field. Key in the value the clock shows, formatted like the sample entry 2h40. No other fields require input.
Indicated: 6h30
